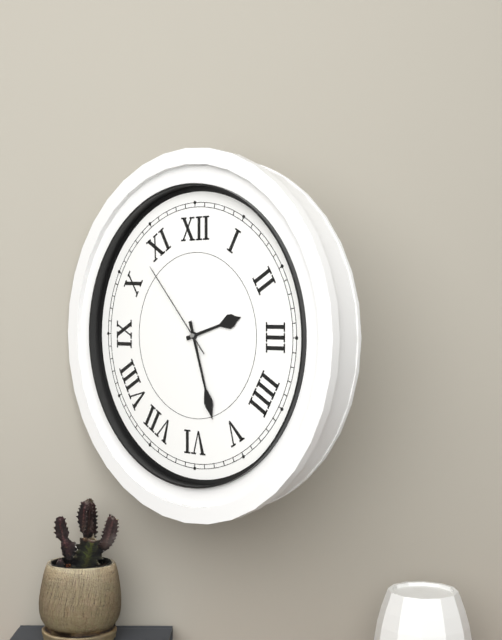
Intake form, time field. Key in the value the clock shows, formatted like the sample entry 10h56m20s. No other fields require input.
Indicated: 2h27m53s
